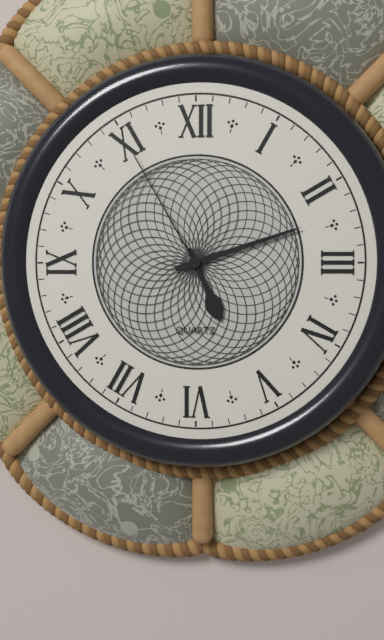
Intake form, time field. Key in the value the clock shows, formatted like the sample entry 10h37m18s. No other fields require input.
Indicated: 5h12m55s
